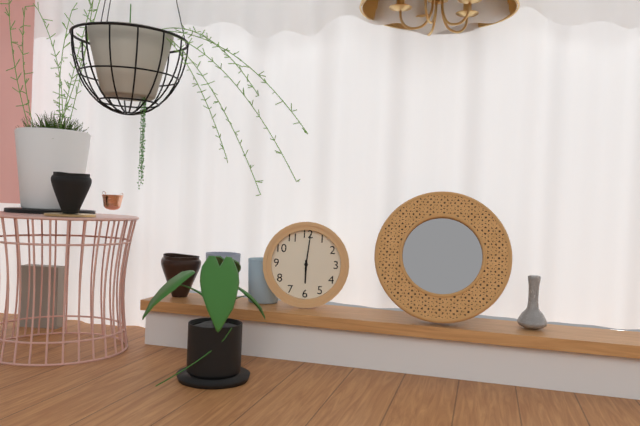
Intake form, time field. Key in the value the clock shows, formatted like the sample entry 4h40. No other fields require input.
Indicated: 6h01
